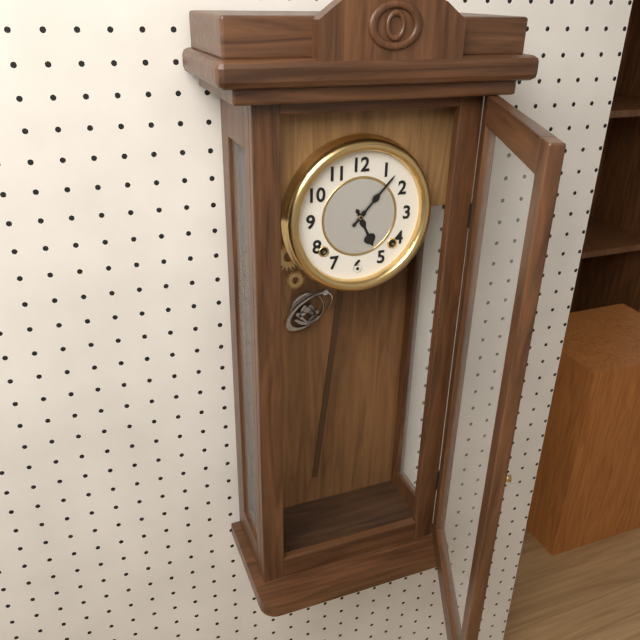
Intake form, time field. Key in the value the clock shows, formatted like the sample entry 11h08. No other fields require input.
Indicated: 5h07
